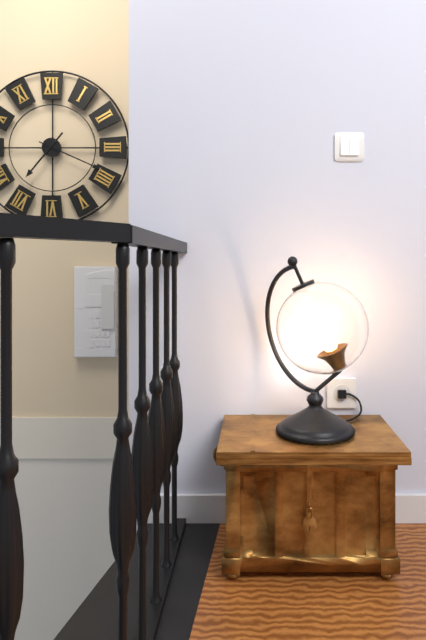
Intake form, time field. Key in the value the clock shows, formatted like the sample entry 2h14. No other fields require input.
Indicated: 7h19
